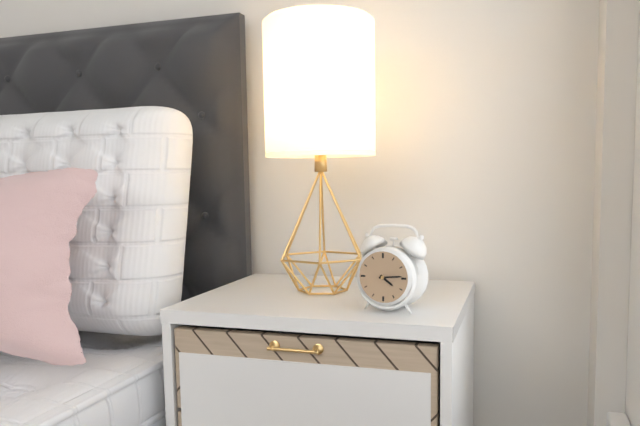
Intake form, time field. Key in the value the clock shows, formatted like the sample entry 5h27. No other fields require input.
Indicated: 4h14
